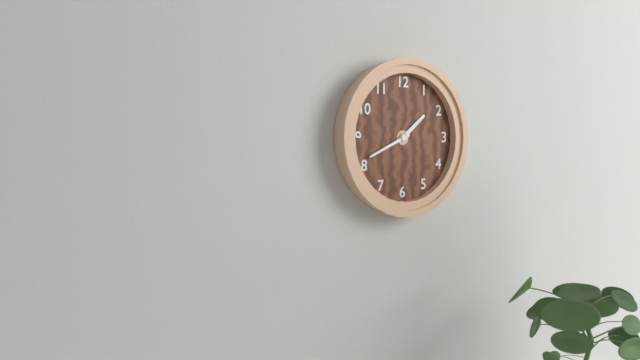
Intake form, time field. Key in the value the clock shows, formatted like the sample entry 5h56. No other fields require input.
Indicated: 1h41
